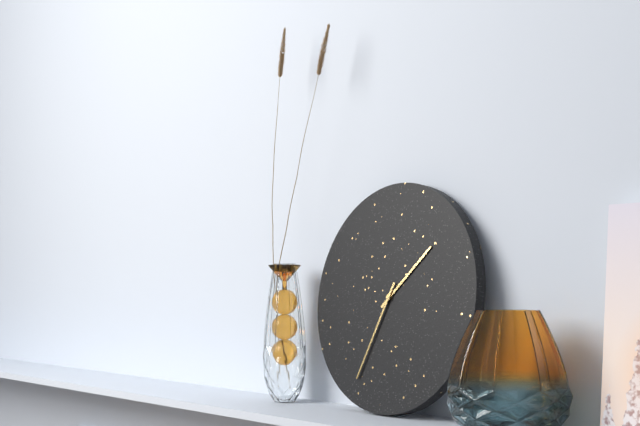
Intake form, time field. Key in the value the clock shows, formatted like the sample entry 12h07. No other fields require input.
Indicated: 1h34
